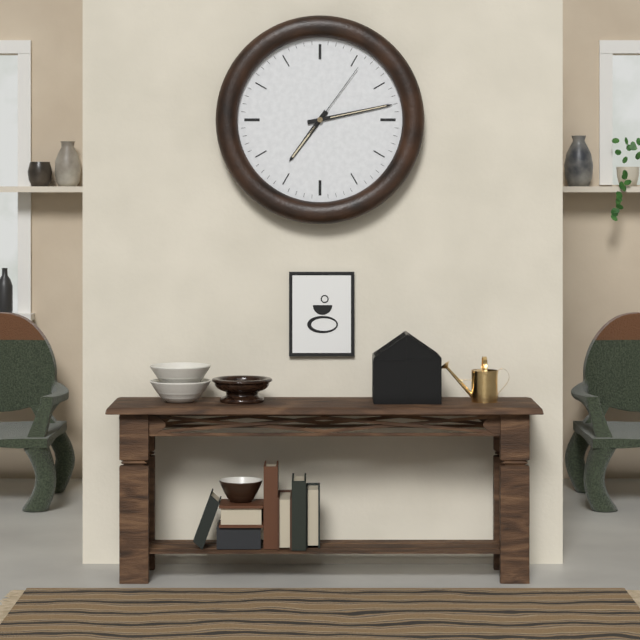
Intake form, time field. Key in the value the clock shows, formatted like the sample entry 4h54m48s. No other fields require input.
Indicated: 7h13m06s
